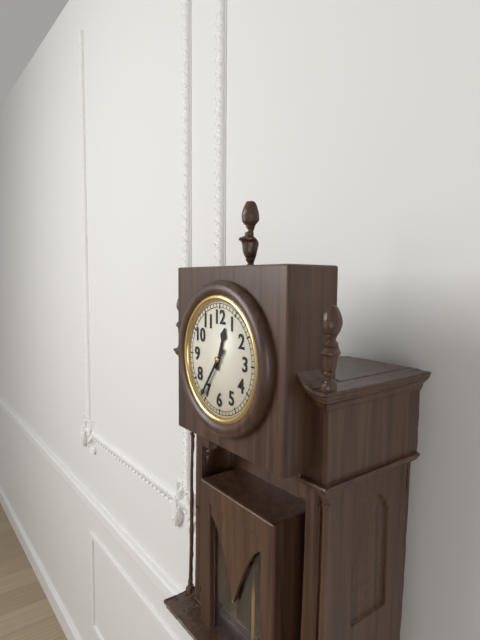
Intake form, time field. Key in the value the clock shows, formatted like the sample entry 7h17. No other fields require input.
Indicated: 12h36
